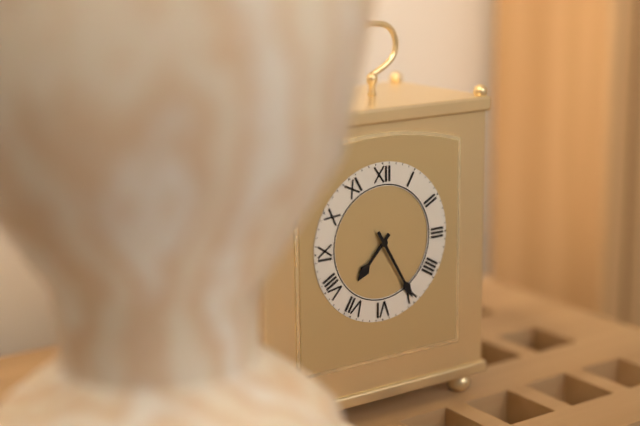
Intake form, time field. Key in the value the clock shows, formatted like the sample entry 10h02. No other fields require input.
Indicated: 7h25
